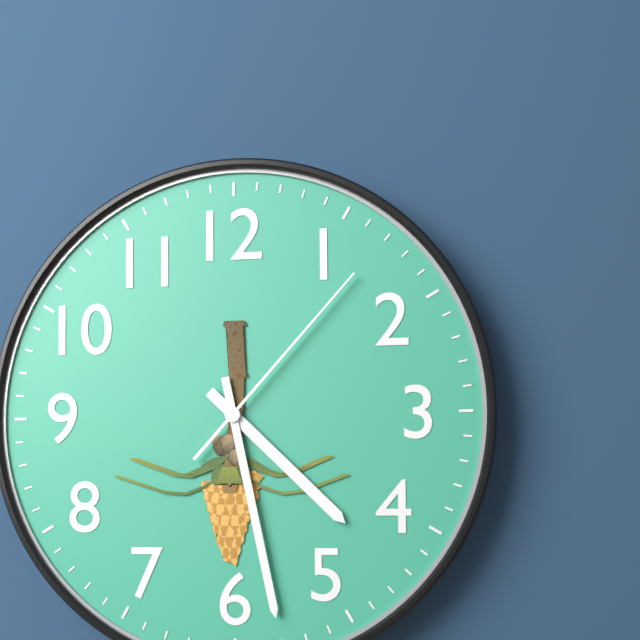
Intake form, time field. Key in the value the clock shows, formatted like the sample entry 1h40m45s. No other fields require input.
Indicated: 4h28m07s
